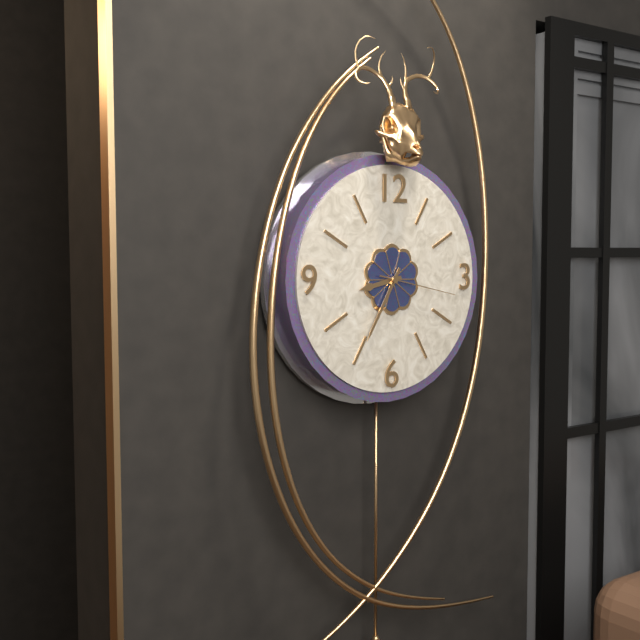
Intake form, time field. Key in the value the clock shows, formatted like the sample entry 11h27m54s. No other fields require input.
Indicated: 8h35m17s
